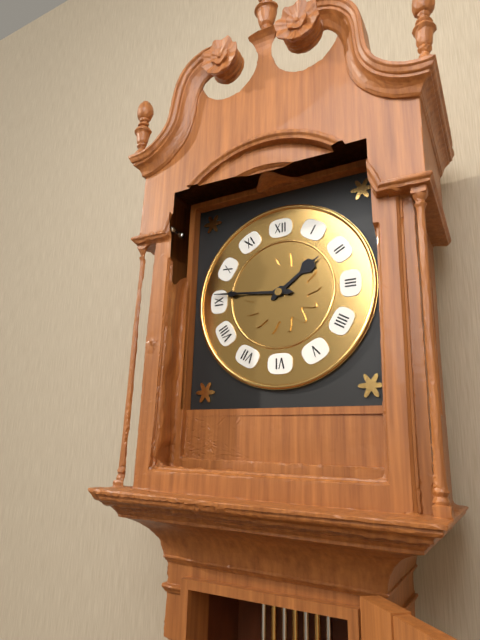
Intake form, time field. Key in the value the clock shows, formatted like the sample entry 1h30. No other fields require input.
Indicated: 1h46
